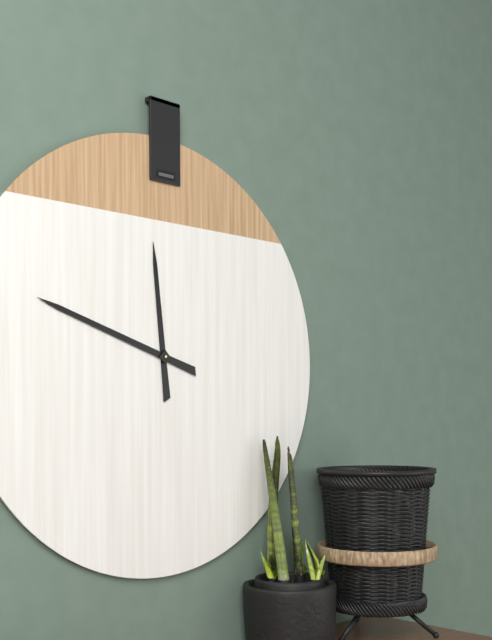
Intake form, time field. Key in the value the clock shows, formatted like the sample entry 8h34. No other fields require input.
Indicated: 11h48
